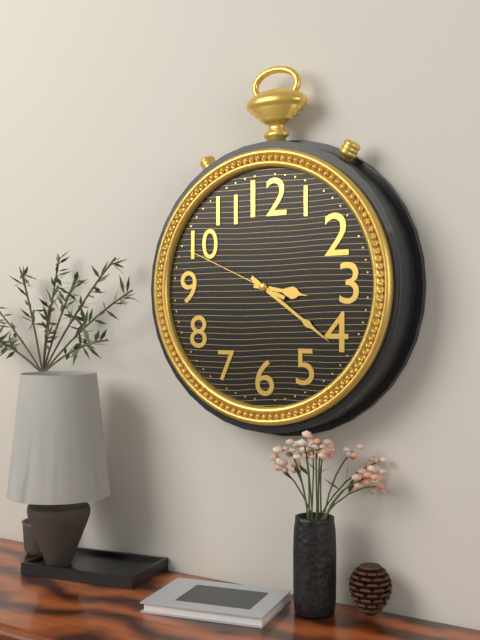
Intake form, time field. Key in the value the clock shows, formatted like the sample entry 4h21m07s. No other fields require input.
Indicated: 3h21m49s
